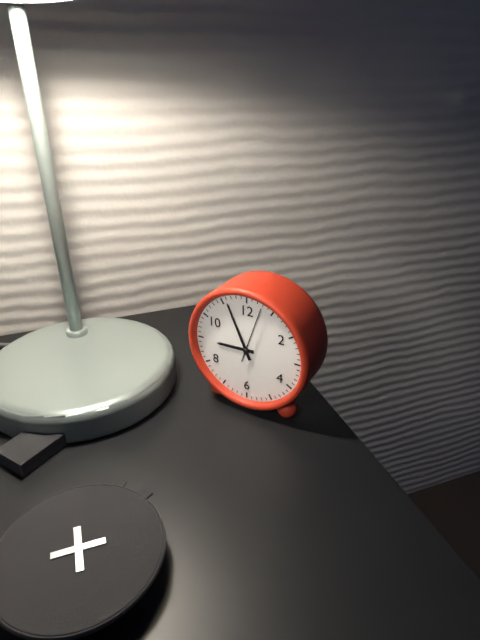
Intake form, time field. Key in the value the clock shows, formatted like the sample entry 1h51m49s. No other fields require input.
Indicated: 8h56m03s
